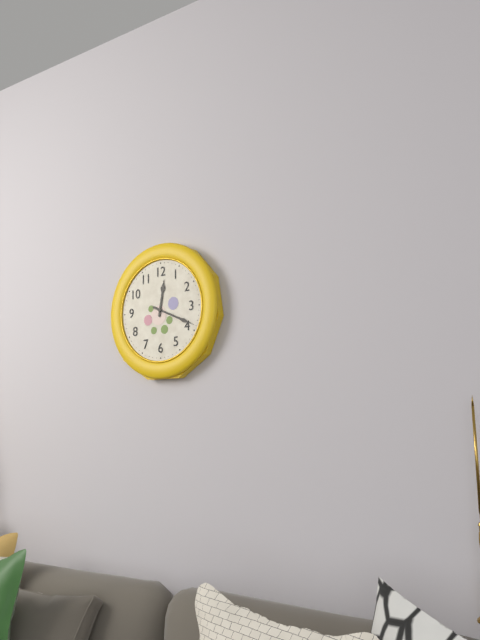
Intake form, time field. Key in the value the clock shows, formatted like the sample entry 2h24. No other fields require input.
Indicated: 12h19
